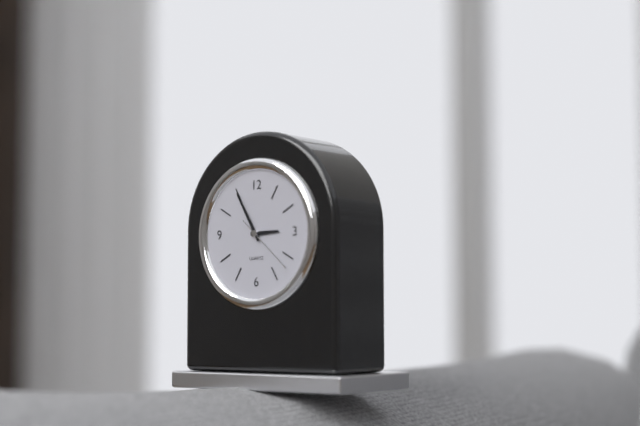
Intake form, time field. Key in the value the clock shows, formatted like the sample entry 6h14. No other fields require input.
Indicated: 2h55
